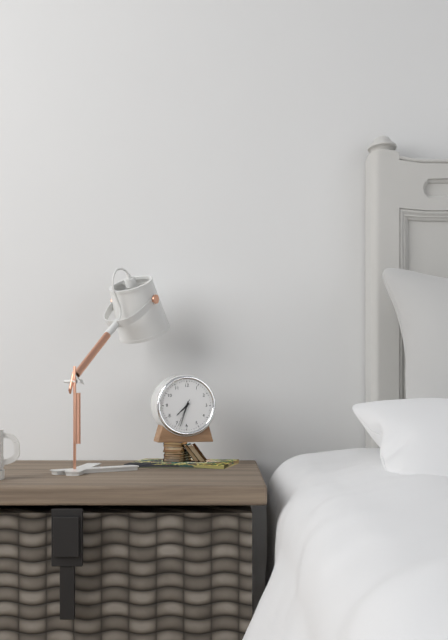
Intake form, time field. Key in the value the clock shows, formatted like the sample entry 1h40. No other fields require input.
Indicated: 7h33
